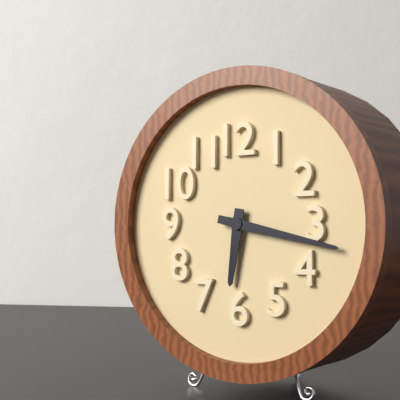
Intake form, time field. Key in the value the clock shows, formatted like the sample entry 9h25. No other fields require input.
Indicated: 6h17
